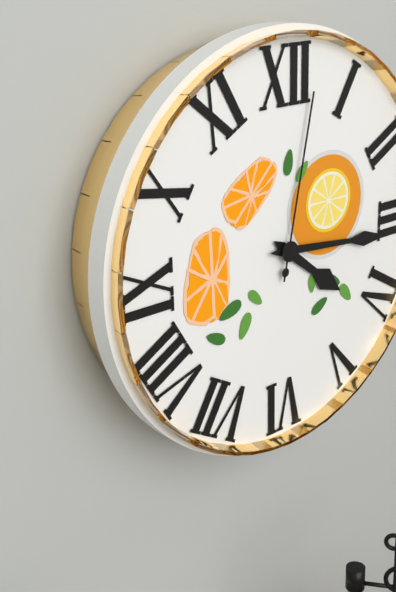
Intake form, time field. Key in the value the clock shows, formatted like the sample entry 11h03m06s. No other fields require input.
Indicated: 4h16m02s
